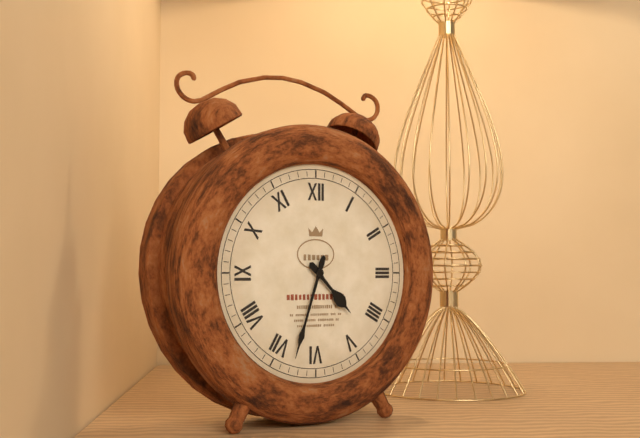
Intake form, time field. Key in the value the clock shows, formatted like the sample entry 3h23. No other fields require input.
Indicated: 4h33
